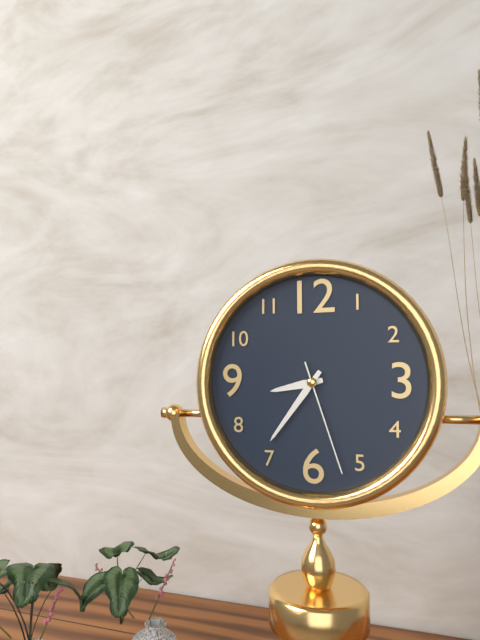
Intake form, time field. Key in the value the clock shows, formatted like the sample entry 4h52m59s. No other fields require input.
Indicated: 8h36m27s
